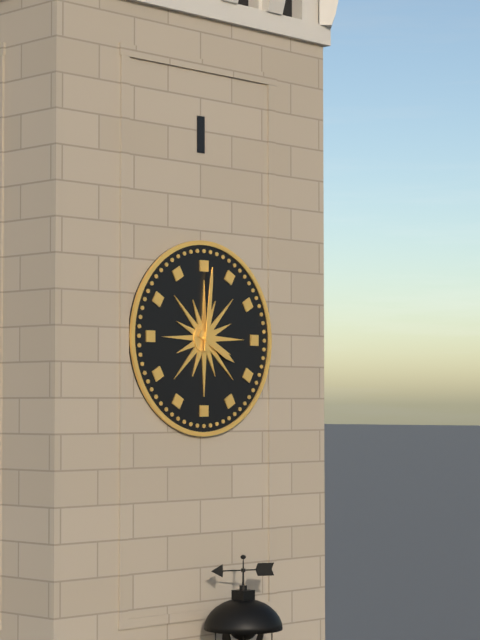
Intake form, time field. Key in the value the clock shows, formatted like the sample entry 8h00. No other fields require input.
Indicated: 4h01
